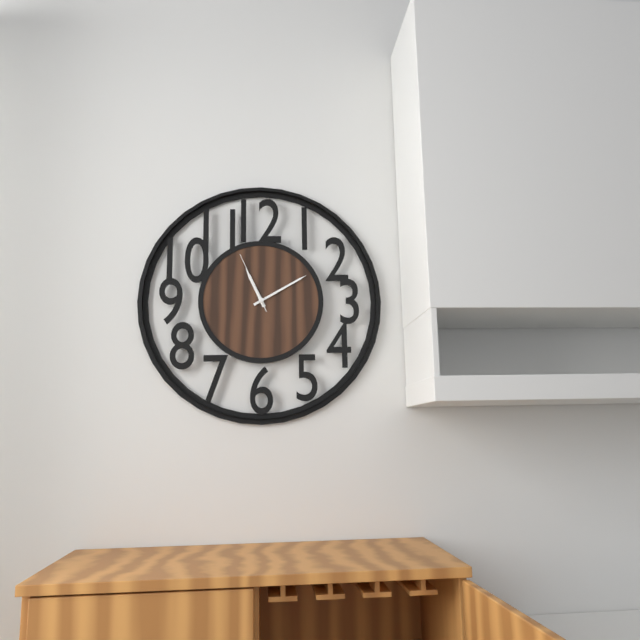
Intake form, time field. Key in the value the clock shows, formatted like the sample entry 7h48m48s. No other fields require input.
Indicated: 11h10m56s
